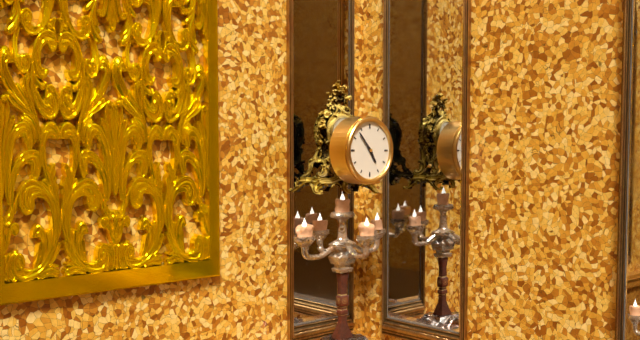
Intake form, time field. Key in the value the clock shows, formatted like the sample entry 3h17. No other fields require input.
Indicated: 4h53
